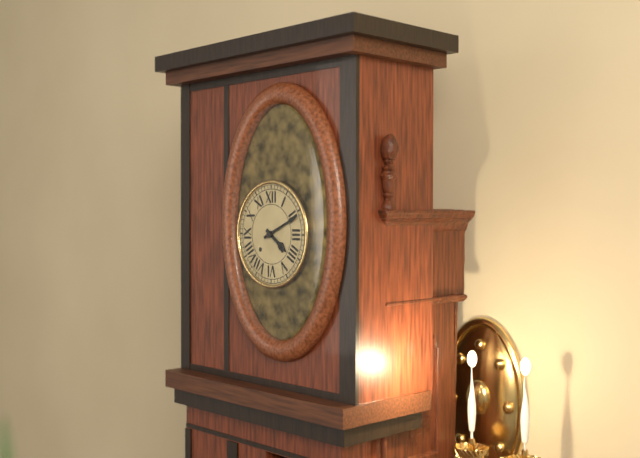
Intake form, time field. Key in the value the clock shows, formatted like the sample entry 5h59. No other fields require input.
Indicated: 4h11
